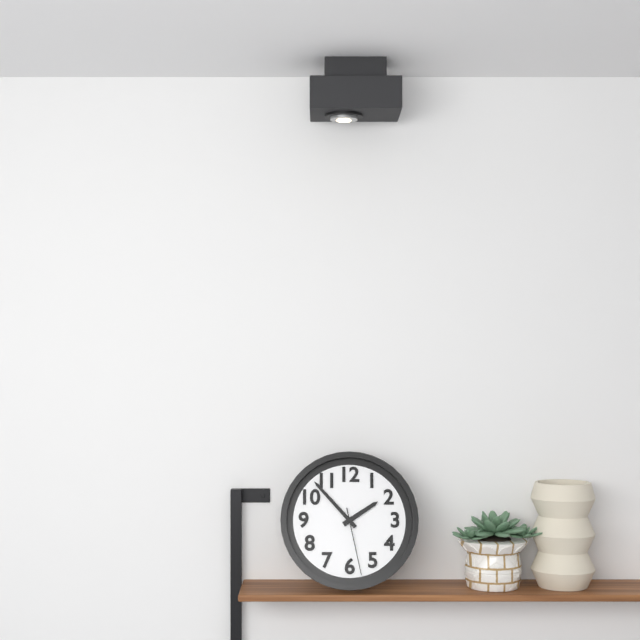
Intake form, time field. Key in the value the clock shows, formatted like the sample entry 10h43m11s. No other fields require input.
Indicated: 1h53m28s
